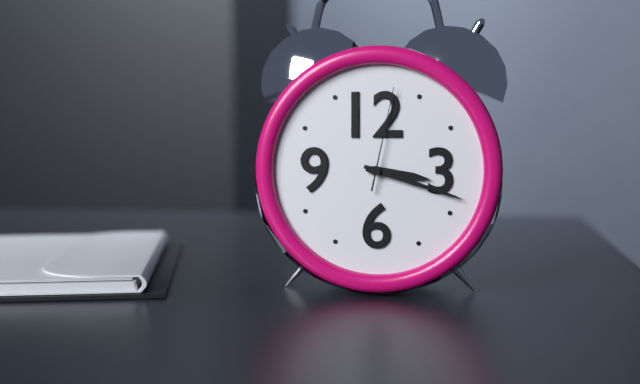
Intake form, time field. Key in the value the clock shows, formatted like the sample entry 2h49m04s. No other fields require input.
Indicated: 3h18m02s
